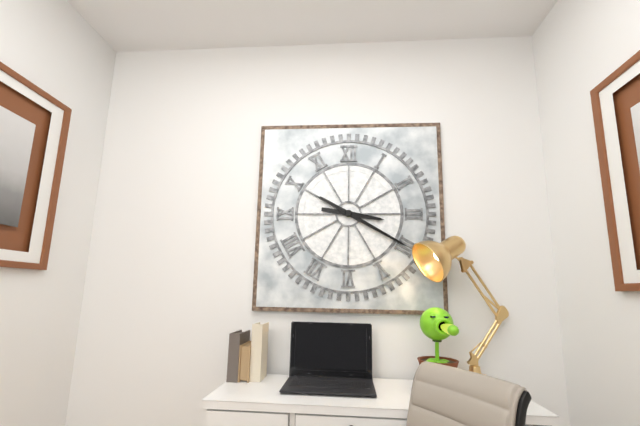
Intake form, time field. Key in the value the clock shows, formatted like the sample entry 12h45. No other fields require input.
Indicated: 3h20
